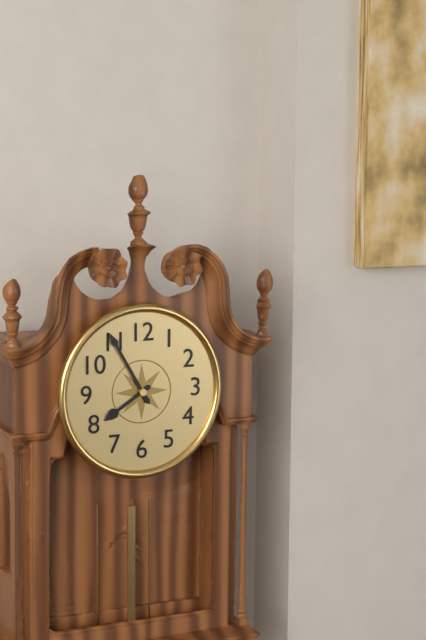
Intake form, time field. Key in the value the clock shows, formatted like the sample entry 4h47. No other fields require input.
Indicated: 7h55
